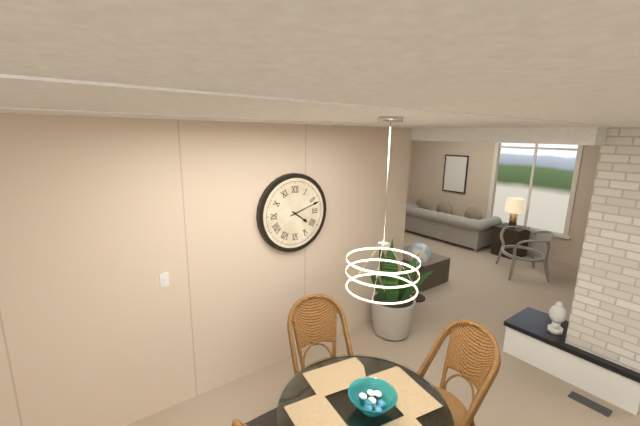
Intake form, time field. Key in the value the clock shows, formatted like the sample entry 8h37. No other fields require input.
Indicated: 4h12
